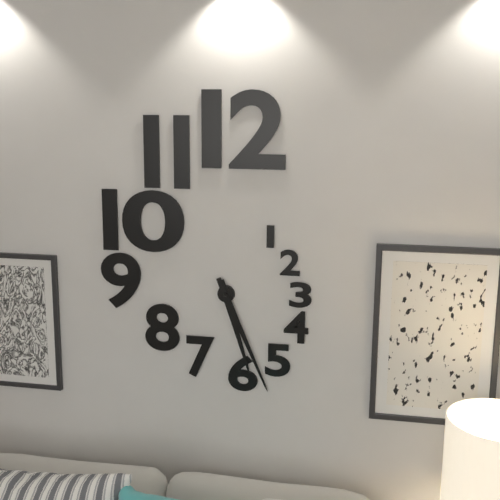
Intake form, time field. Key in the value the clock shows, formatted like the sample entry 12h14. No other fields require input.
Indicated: 5h26
